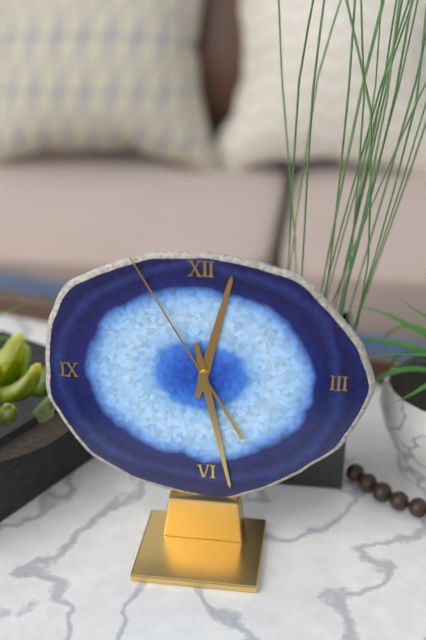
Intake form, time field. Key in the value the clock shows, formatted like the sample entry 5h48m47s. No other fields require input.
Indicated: 12h28m55s
